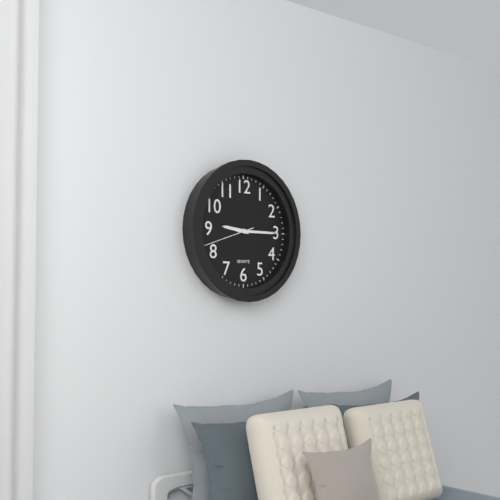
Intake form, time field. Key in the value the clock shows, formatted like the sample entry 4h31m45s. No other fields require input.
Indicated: 9h15m42s
